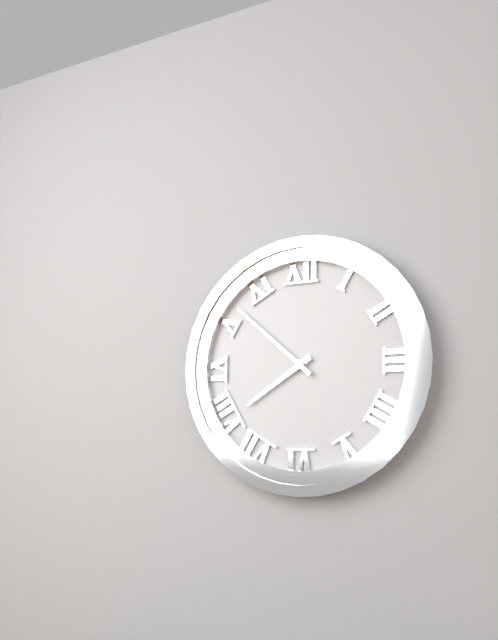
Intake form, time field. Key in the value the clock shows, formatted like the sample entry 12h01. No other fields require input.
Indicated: 7h52
